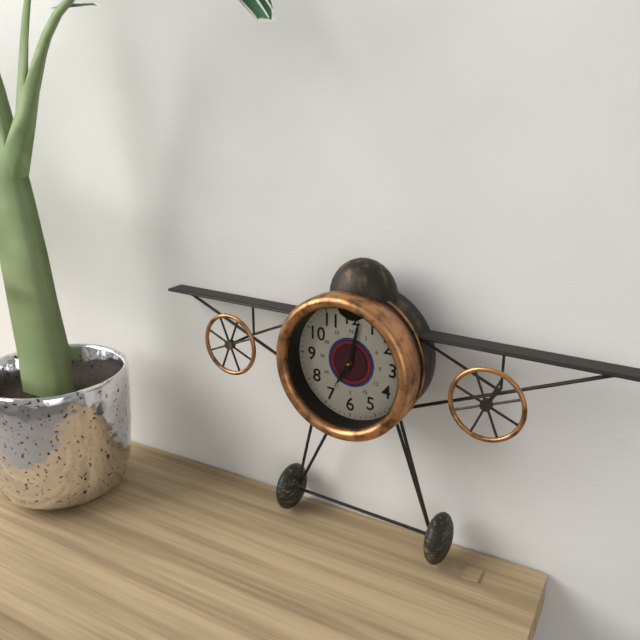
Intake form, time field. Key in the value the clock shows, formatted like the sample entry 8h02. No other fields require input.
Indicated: 7h02
